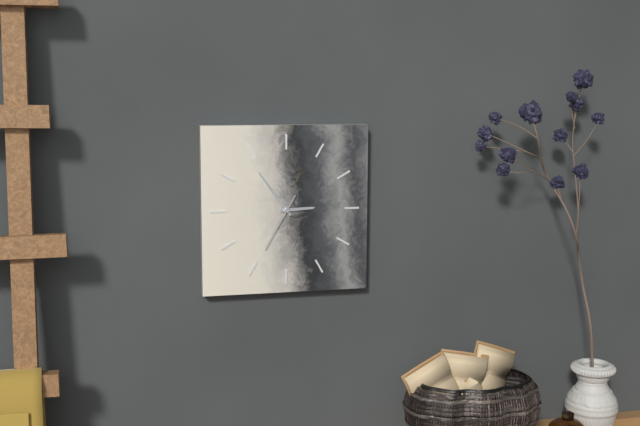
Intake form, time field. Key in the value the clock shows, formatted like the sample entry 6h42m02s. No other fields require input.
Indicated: 2h54m35s
